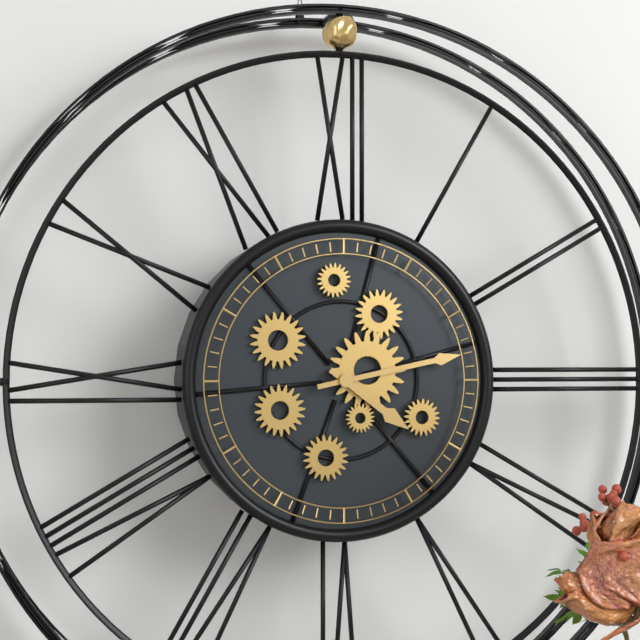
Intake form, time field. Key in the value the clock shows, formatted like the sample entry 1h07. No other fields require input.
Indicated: 4h13
